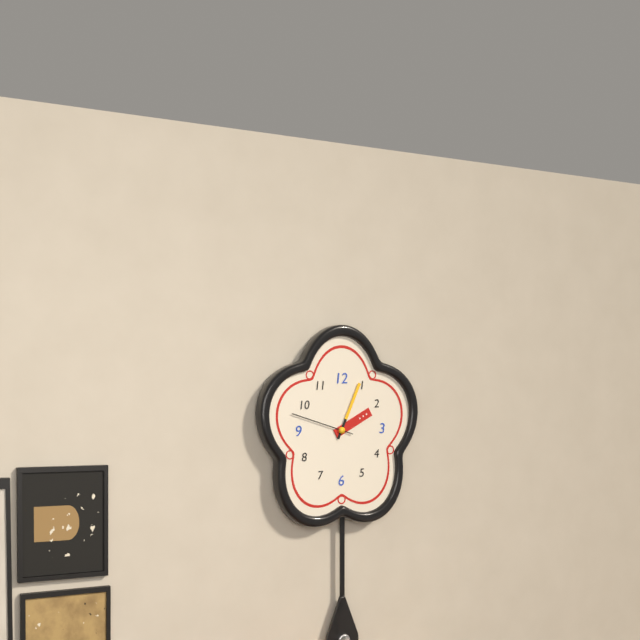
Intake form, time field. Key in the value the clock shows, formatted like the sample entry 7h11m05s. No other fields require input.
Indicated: 2h04m48s
